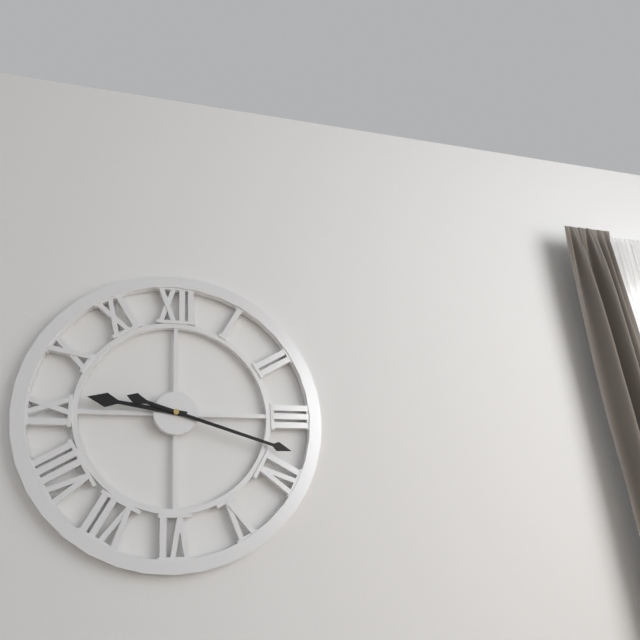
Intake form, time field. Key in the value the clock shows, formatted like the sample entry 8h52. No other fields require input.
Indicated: 9h18
